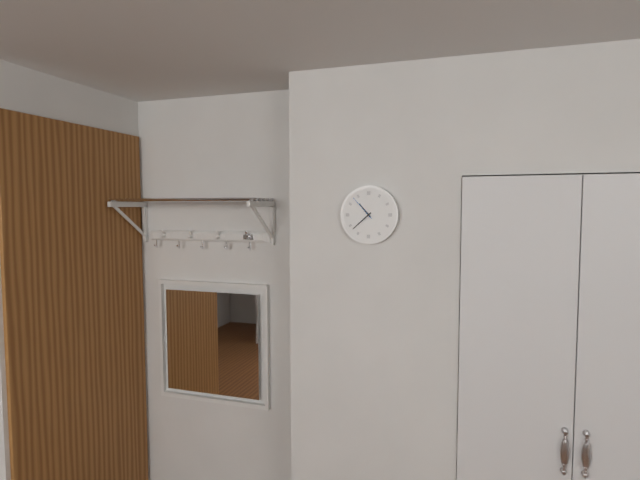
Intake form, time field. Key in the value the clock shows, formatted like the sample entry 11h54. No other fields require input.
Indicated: 10h38
